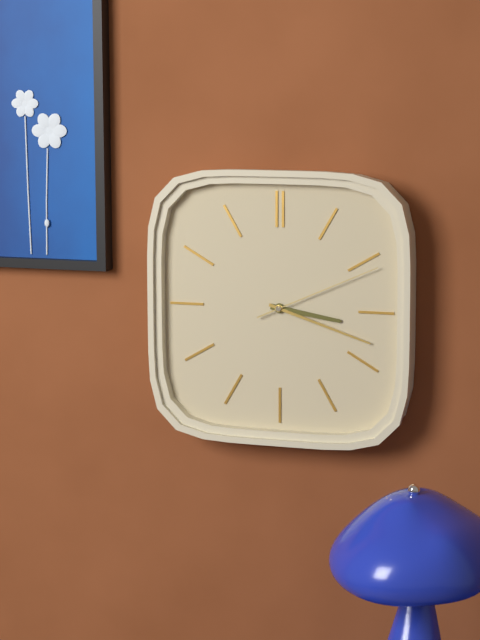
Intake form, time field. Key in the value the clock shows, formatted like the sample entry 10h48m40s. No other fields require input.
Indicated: 3h18m11s
